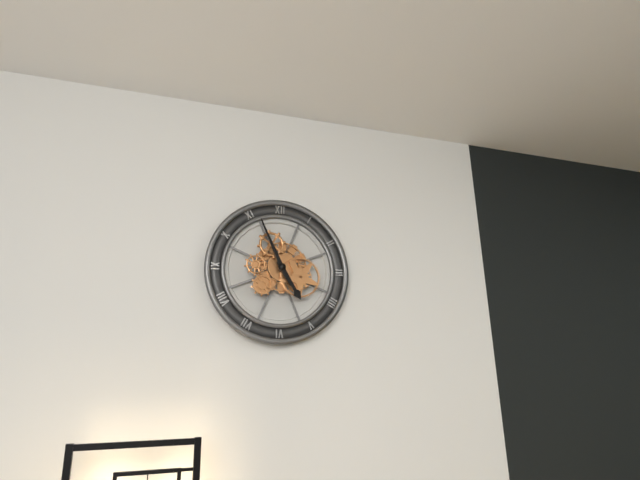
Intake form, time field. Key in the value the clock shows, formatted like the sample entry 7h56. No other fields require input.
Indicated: 4h56
